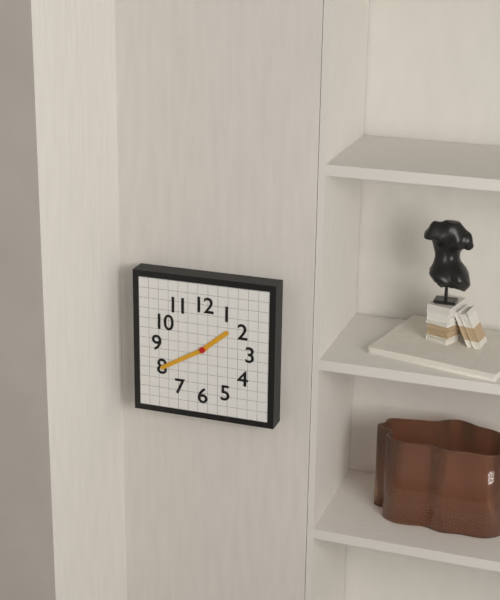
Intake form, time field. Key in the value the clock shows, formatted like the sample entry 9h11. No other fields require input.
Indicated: 1h40
